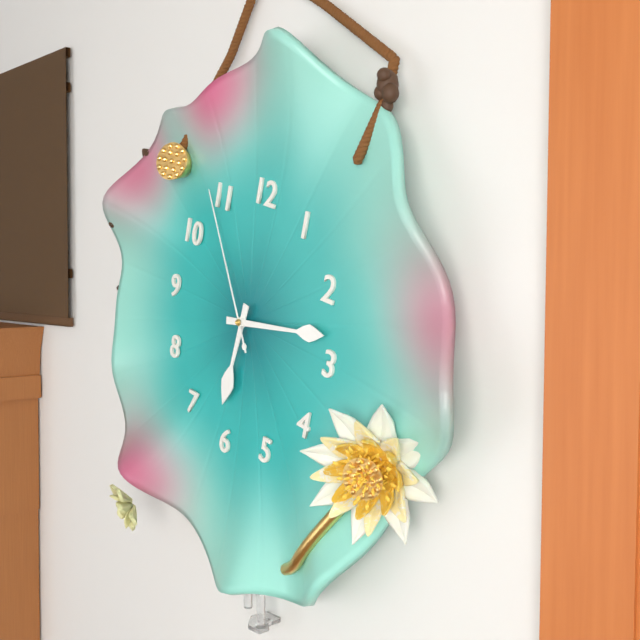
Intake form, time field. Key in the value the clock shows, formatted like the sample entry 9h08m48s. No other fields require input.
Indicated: 6h13m54s
